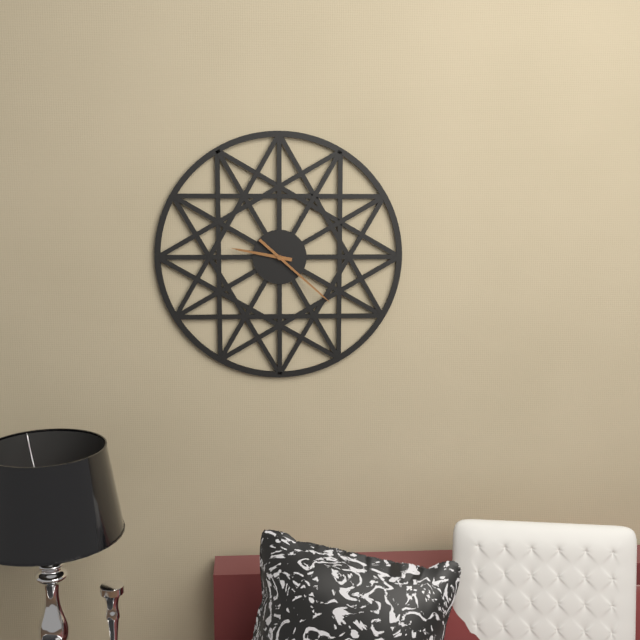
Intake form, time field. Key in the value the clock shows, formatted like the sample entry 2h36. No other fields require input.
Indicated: 9h22
